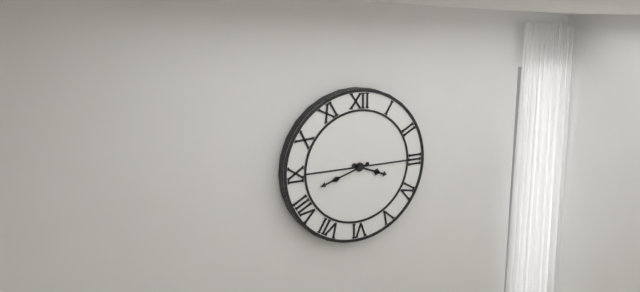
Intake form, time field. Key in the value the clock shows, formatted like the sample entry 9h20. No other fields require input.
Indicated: 3h42
